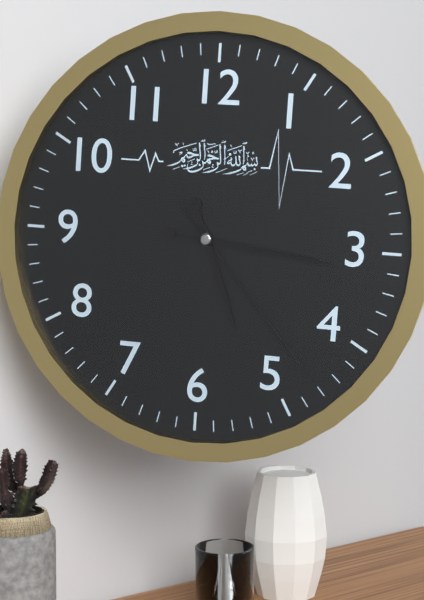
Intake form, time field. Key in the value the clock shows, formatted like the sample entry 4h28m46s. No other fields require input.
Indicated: 5h16m23s
